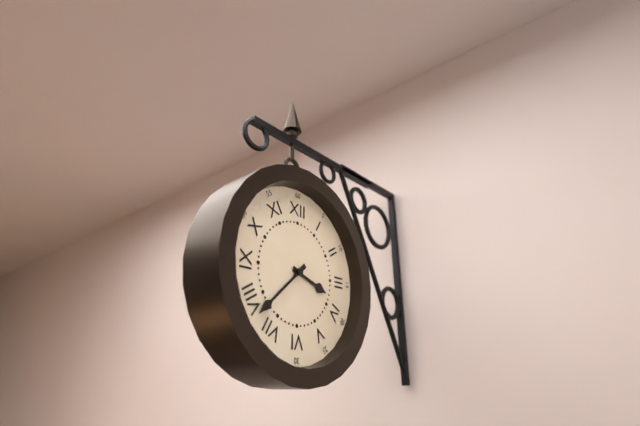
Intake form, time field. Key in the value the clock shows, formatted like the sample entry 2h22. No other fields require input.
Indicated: 3h38
